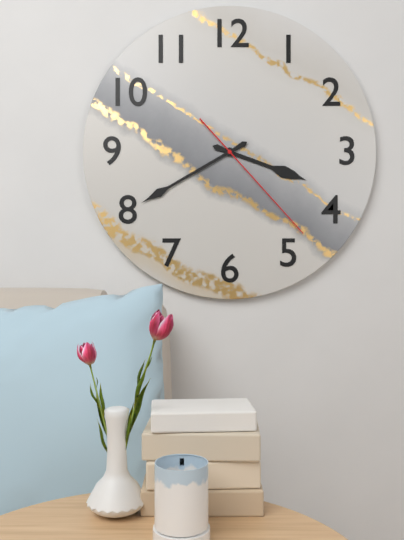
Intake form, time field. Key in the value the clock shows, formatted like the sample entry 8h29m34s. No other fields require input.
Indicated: 3h40m23s
